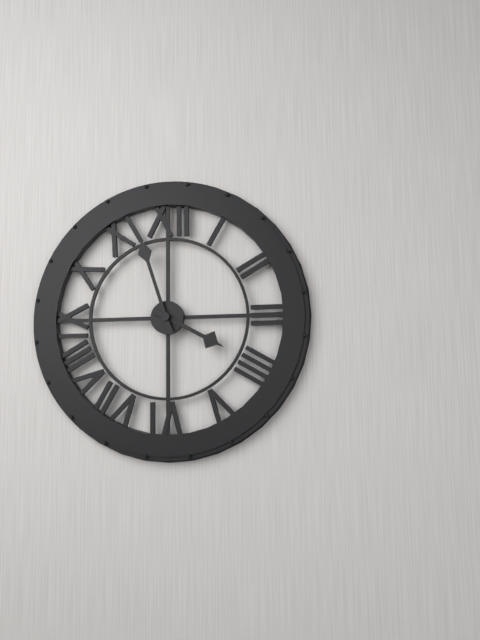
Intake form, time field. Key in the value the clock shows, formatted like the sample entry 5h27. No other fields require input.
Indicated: 3h57
